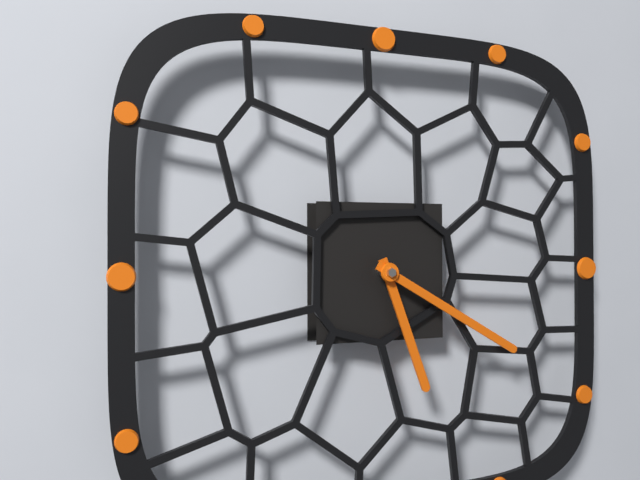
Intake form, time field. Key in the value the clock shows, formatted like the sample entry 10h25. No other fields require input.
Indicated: 5h20
